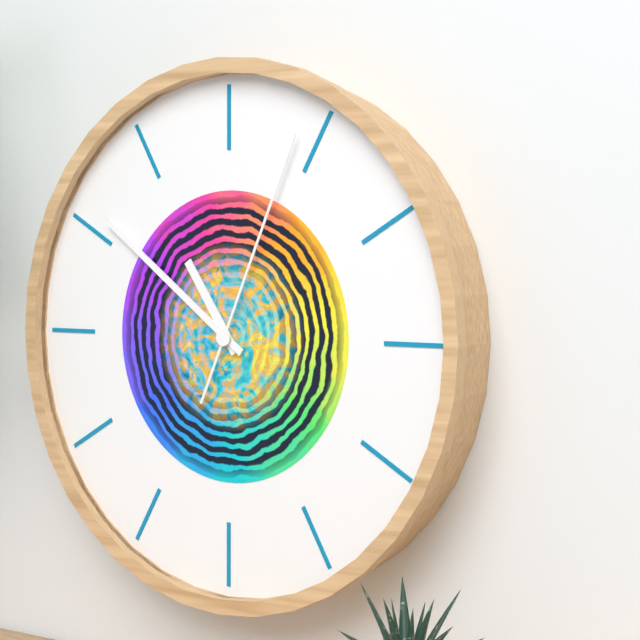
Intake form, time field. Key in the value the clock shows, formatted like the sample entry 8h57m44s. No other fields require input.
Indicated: 10h51m04s
